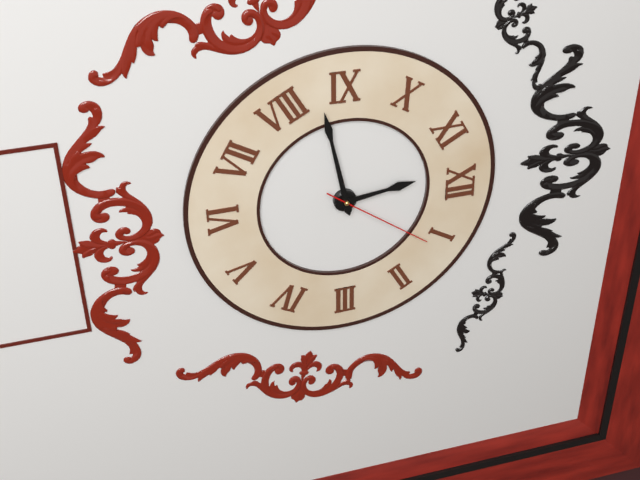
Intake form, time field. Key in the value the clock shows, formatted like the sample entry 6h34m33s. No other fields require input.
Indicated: 11h43m06s
